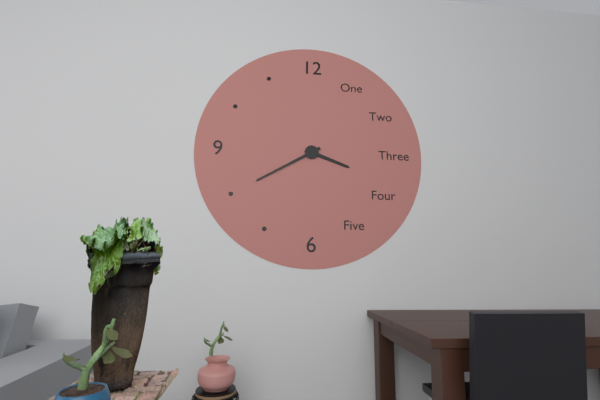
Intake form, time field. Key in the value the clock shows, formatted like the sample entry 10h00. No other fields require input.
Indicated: 3h40
